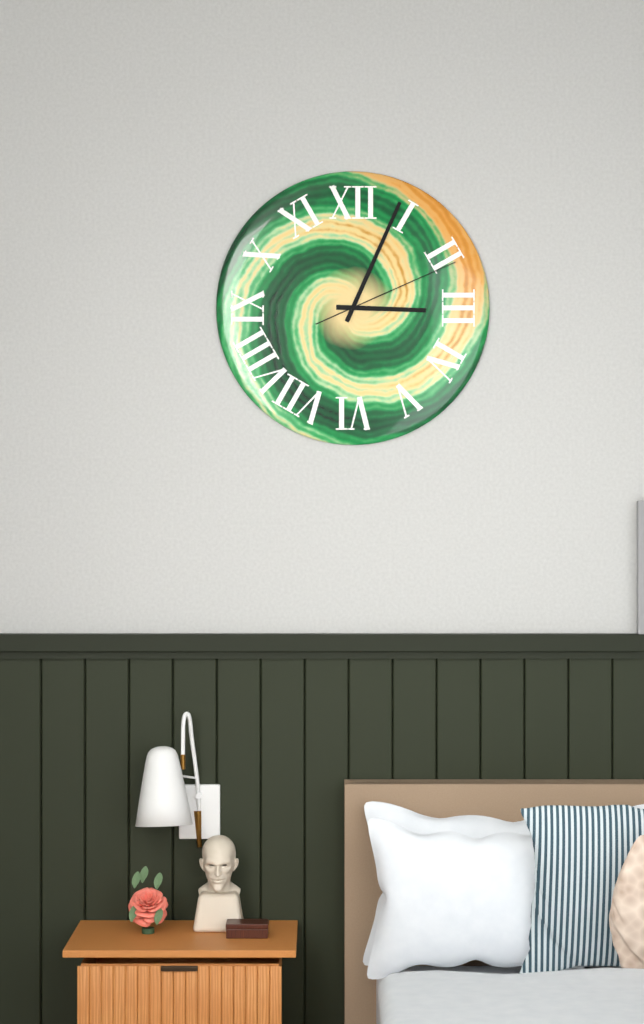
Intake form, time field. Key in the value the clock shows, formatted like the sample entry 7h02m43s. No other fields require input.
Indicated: 3h04m11s
